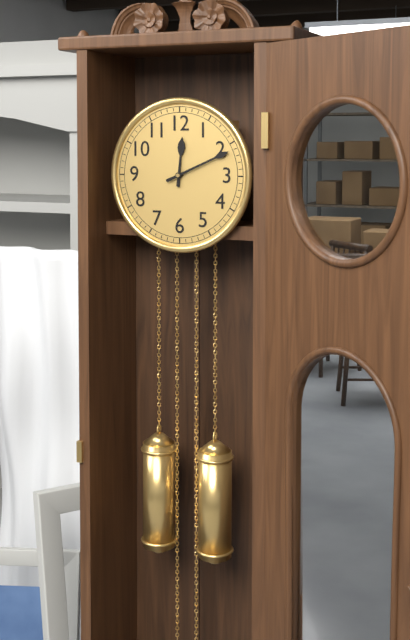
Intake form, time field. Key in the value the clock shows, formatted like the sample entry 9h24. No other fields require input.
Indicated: 12h11
